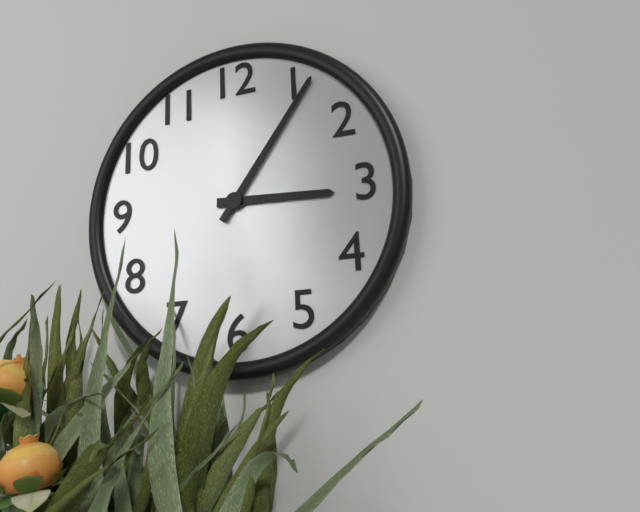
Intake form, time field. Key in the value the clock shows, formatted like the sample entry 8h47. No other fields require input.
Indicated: 3h06
